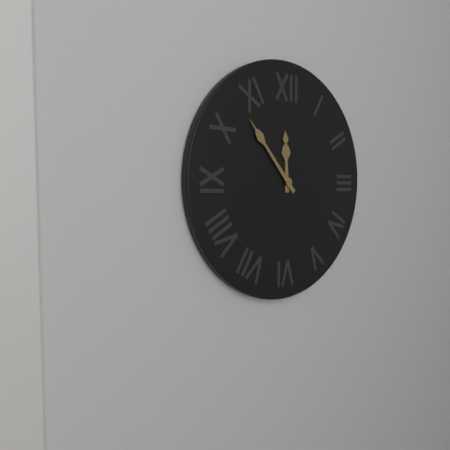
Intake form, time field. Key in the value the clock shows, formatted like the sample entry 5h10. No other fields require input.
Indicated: 11h53
